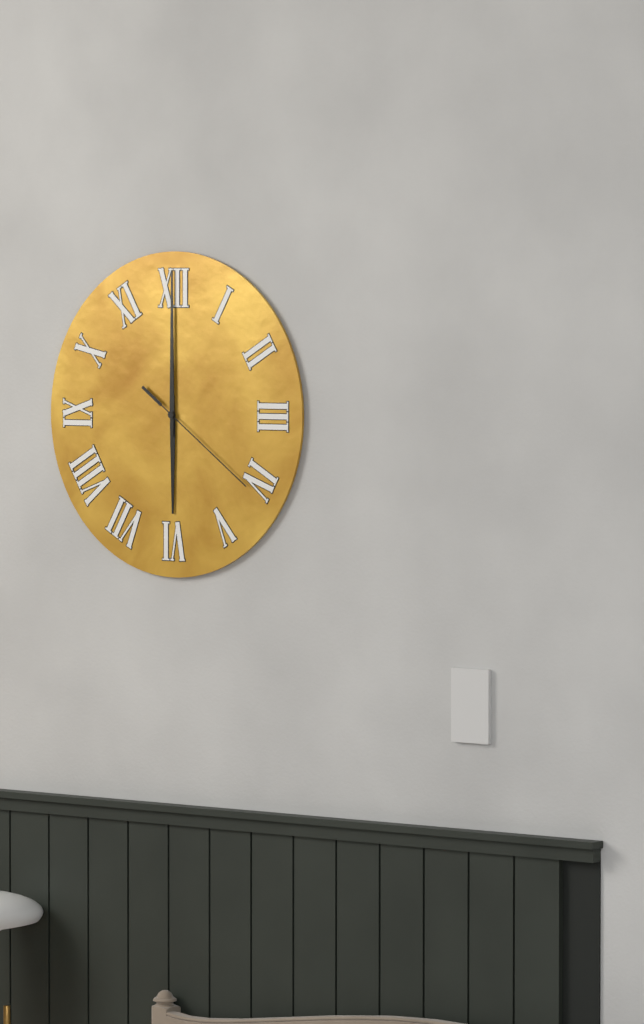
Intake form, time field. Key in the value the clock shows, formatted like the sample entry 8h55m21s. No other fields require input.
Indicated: 6h00m21s
